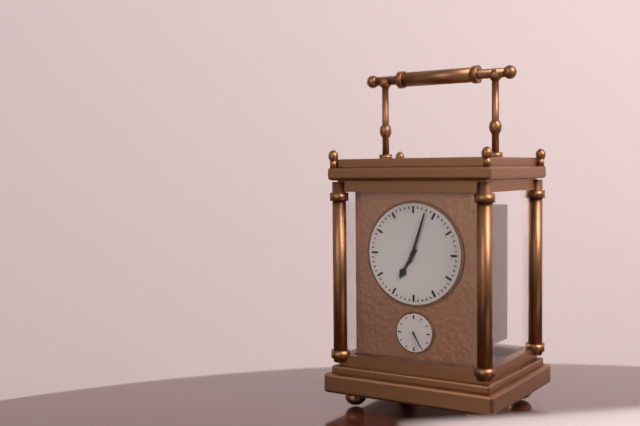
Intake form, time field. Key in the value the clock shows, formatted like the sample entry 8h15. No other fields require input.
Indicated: 7h03
